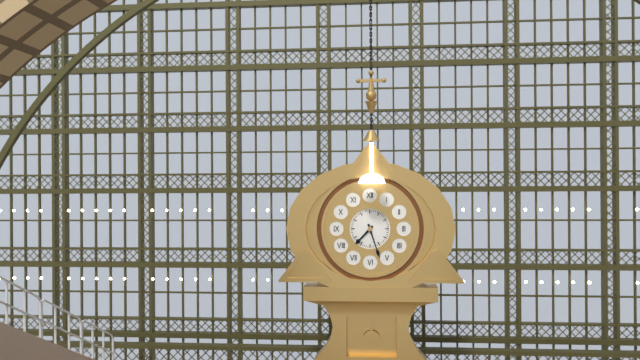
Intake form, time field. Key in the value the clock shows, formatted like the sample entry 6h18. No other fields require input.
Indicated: 7h27
